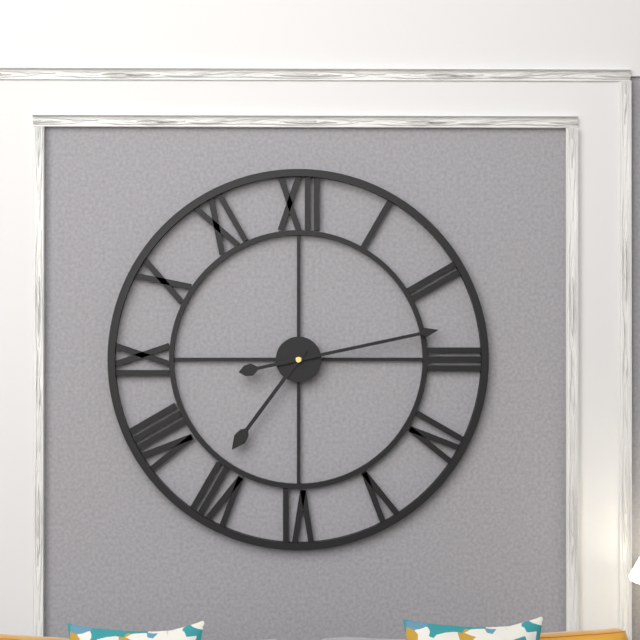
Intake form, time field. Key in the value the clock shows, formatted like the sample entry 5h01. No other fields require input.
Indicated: 7h13
